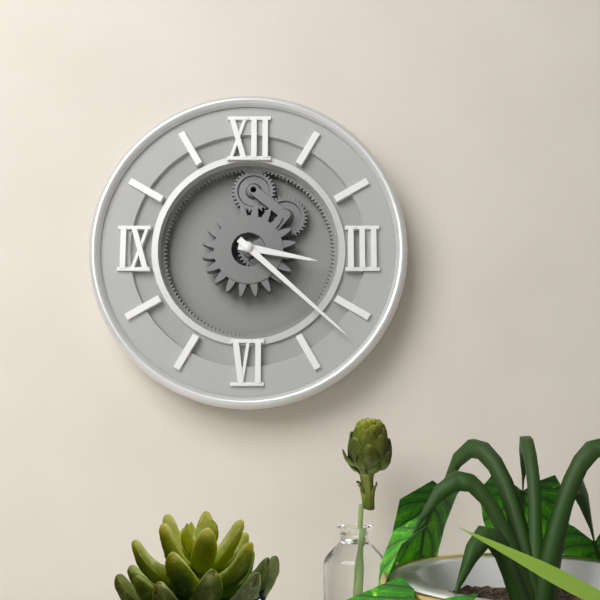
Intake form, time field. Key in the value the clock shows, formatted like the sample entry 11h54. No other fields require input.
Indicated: 3h22
